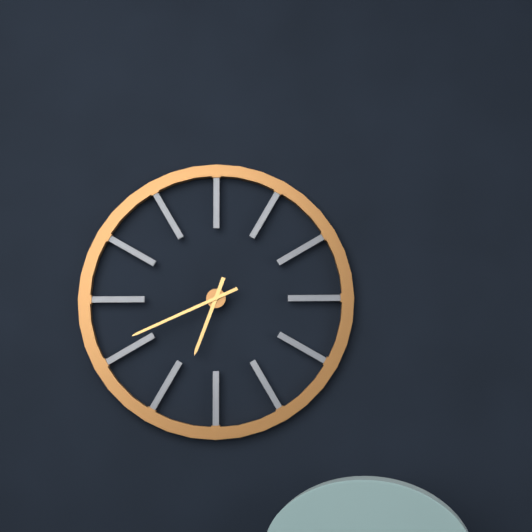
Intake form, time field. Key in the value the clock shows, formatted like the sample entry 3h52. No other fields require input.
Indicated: 6h41
